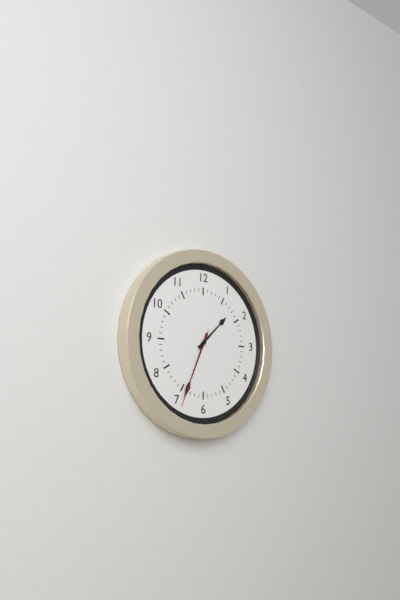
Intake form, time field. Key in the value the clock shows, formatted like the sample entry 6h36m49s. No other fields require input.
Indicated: 1h34m34s
